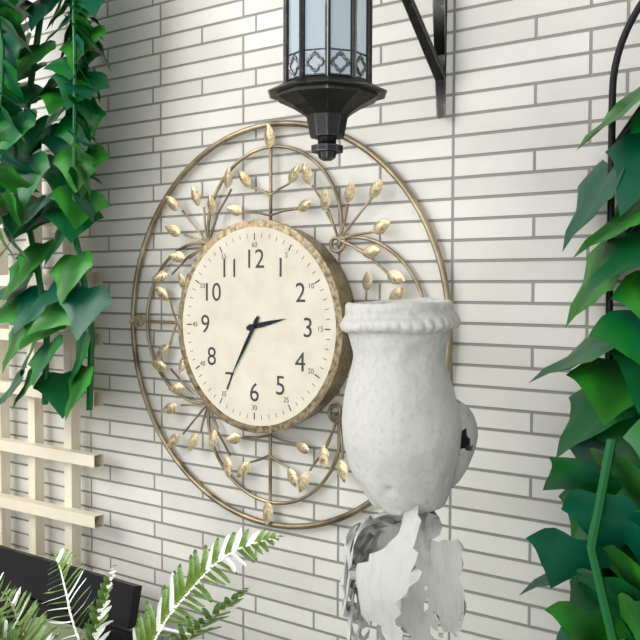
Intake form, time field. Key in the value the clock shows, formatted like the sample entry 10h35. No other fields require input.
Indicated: 2h35
